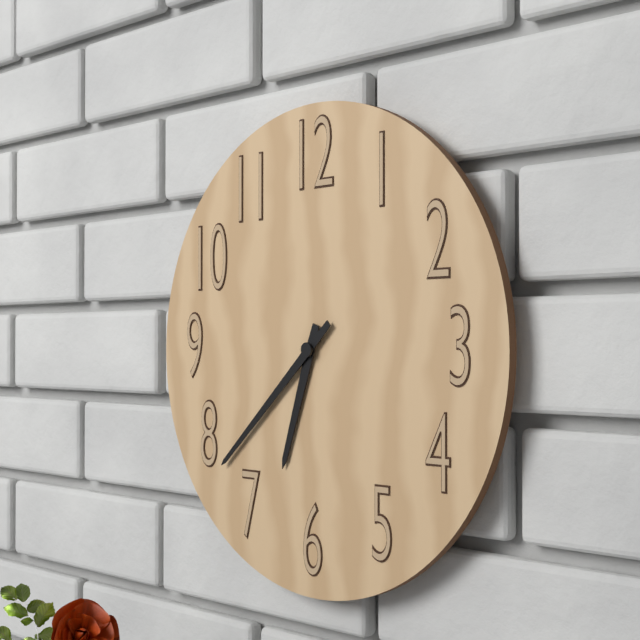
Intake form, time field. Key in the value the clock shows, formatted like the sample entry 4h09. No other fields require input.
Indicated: 6h38
